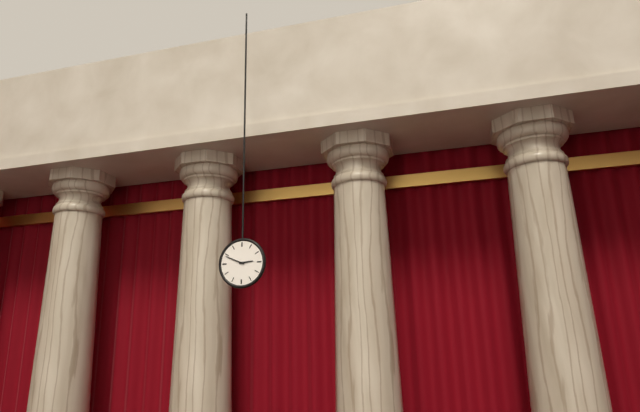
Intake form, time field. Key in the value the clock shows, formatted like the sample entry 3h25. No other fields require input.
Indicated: 2h49
